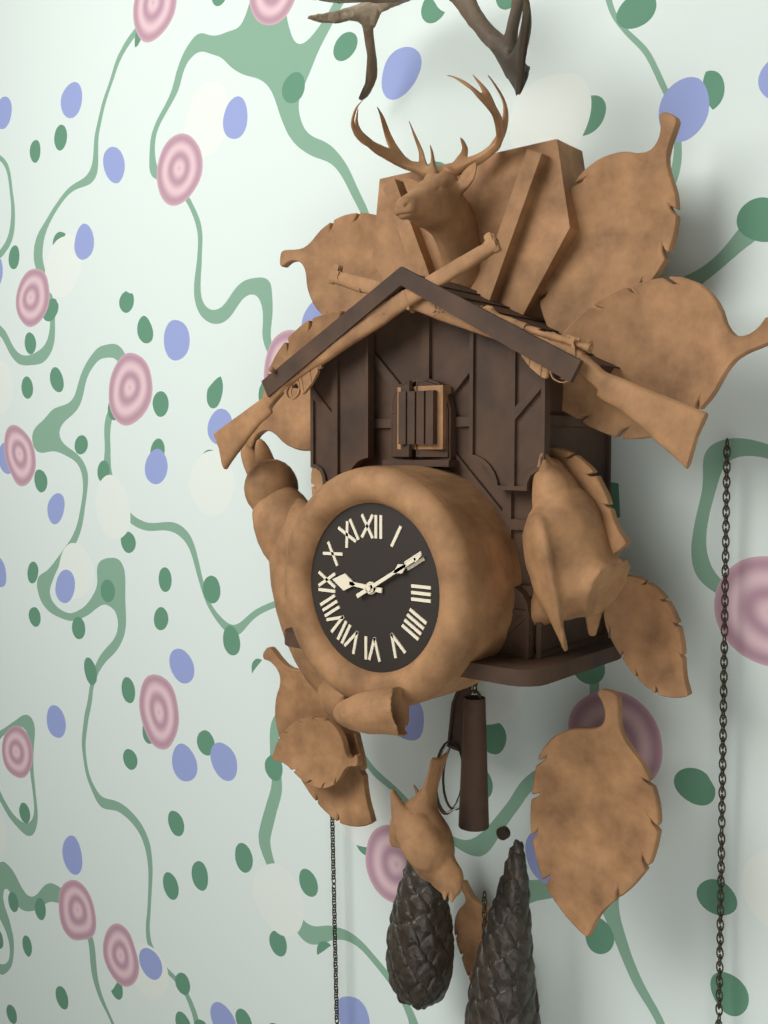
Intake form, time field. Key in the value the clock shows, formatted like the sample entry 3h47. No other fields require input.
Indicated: 9h10
